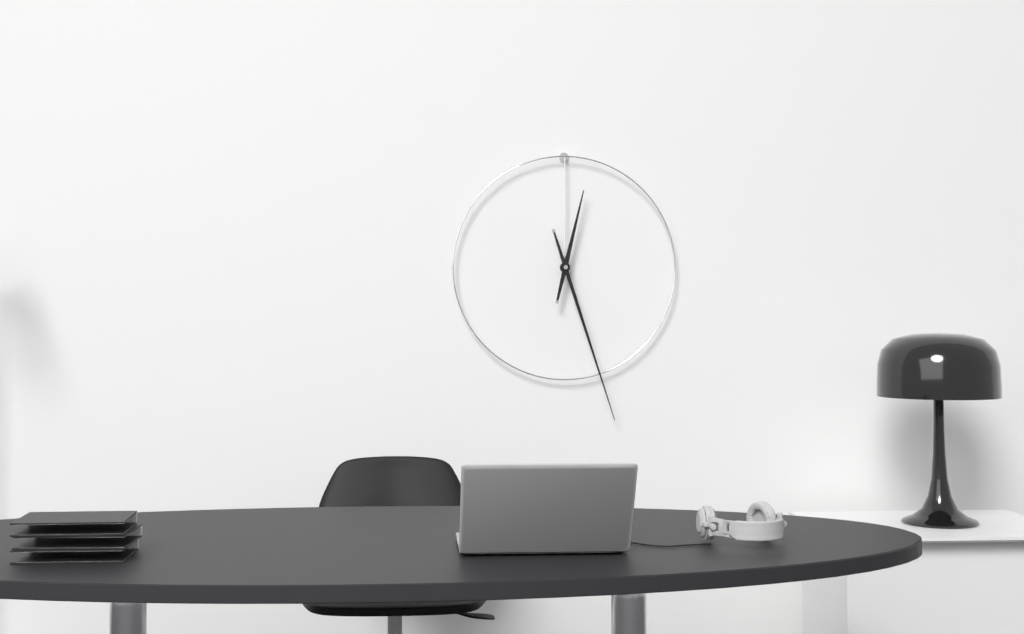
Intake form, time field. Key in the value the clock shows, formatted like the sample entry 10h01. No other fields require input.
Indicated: 12h27
